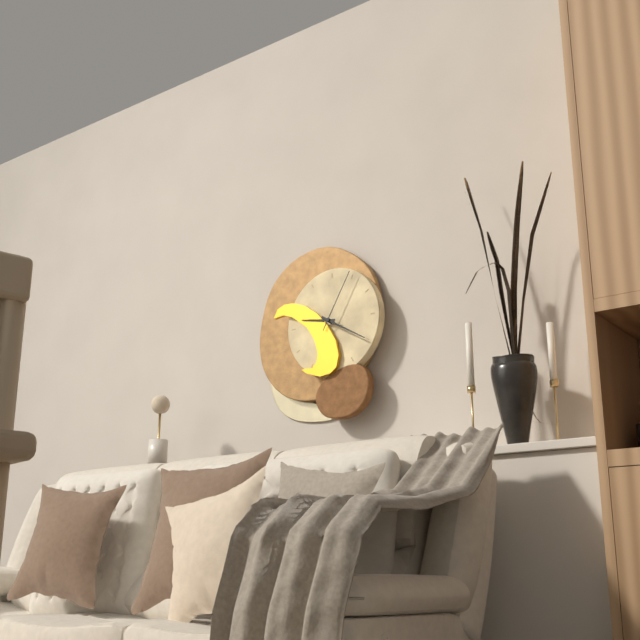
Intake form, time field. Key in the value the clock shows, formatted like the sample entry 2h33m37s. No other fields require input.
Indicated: 9h20m05s
